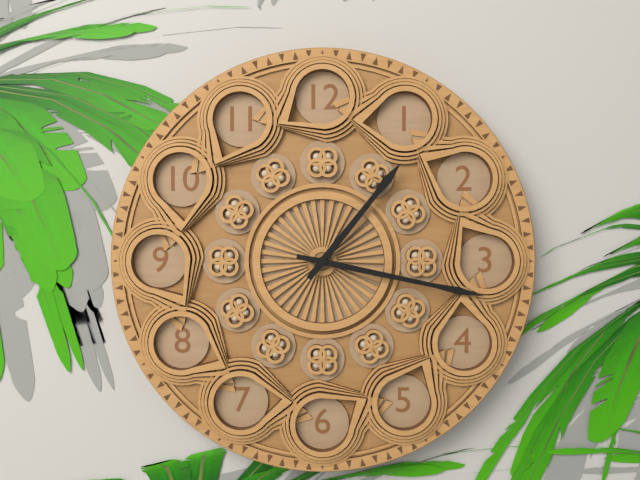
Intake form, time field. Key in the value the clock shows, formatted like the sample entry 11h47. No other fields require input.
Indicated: 1h17
